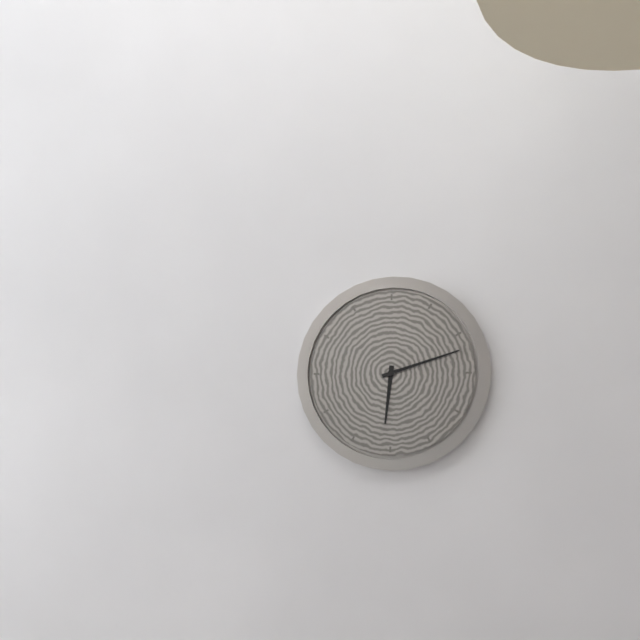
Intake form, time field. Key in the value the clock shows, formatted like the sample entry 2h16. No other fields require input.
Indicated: 6h12
